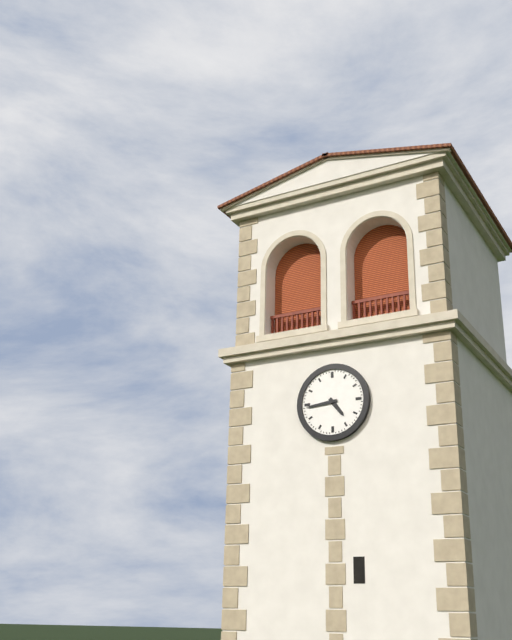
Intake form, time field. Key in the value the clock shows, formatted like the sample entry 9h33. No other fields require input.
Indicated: 4h44
